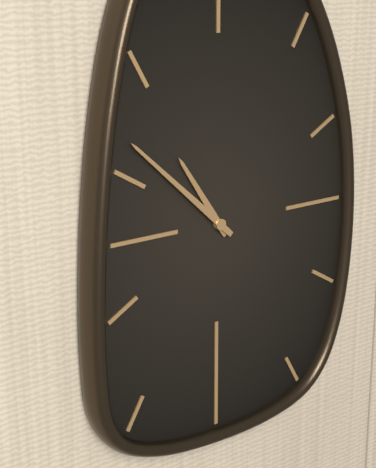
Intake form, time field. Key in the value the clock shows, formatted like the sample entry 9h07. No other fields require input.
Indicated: 10h52
